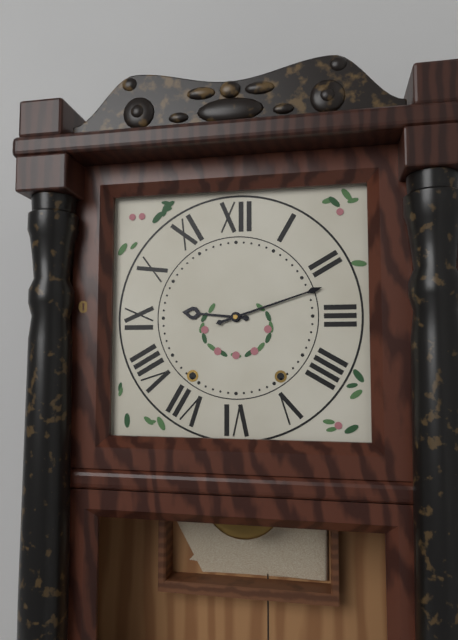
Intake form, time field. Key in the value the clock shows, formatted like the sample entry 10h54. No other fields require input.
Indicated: 9h12
